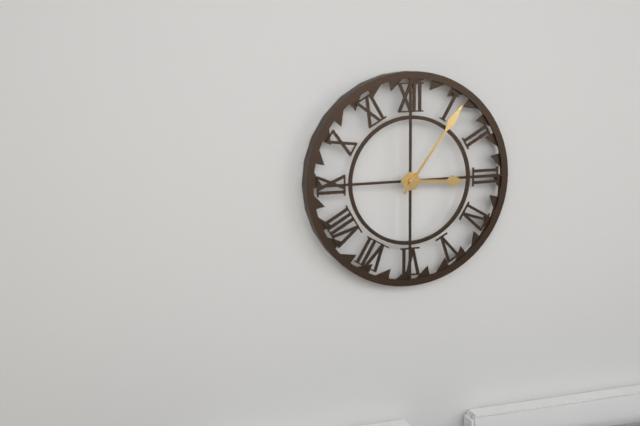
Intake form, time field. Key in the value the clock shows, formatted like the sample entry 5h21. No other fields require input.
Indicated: 3h06
